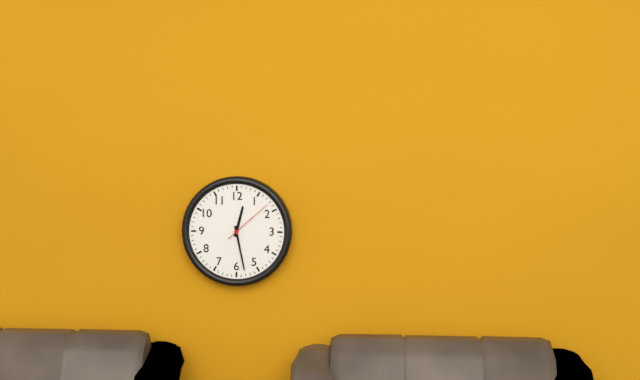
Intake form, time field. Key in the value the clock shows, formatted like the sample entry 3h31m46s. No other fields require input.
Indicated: 12h28m08s
